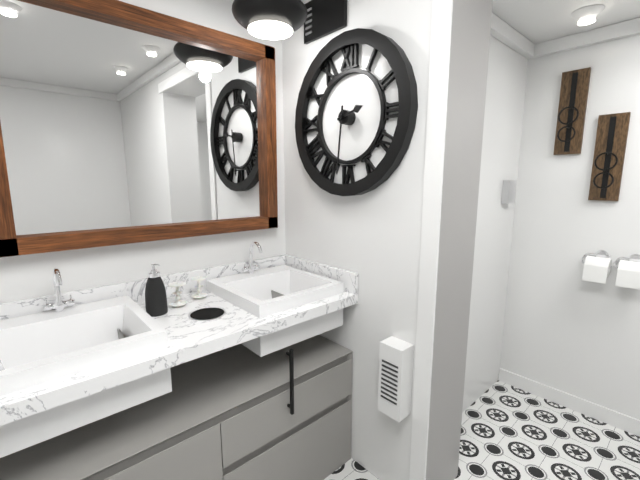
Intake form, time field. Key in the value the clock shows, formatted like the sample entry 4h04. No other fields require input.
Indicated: 2h31
